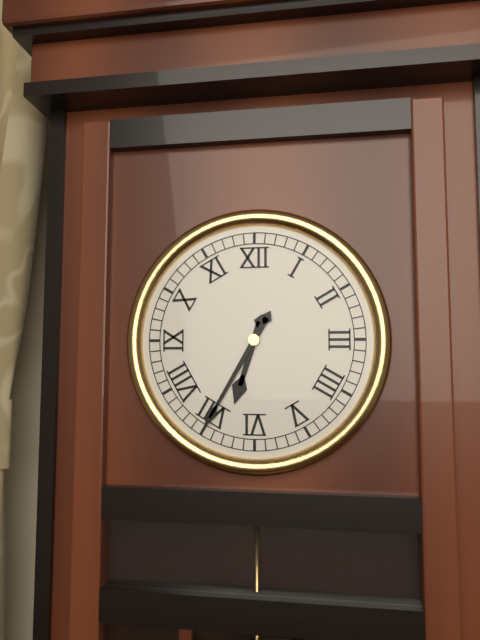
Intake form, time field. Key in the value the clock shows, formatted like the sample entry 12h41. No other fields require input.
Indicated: 6h35
